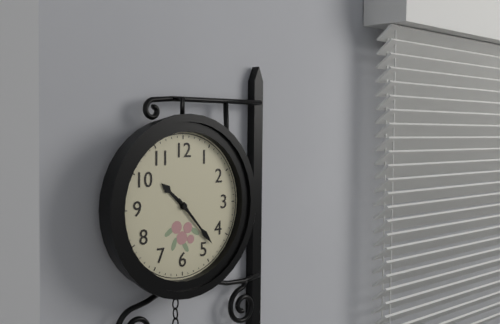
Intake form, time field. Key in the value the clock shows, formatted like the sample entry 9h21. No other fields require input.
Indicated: 10h23
